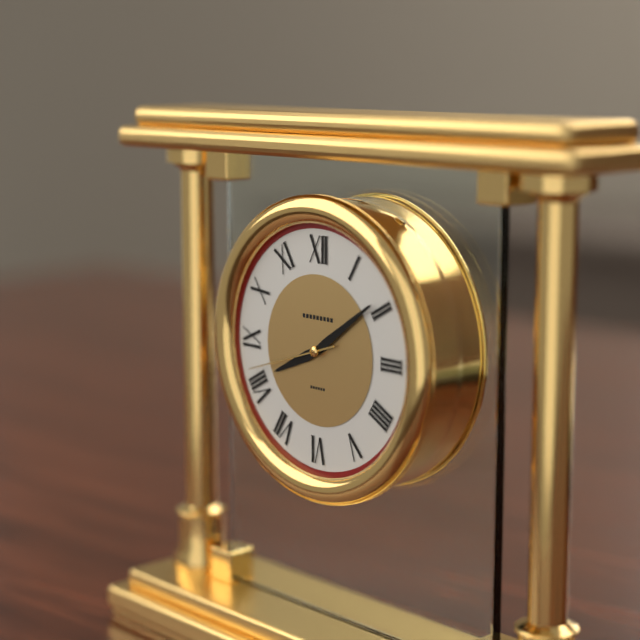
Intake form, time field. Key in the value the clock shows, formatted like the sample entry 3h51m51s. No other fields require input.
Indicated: 8h09m42s
